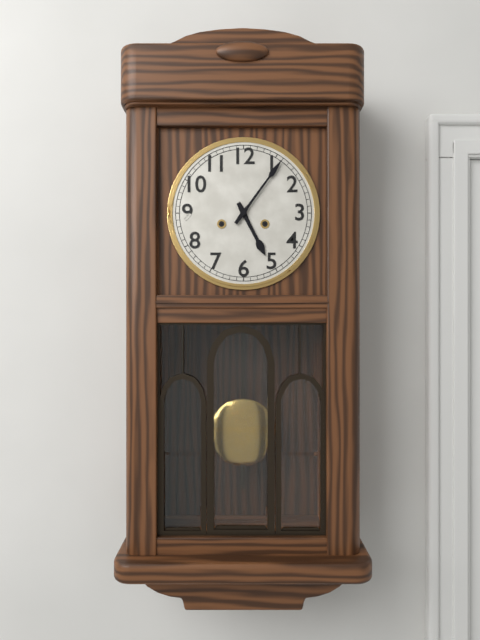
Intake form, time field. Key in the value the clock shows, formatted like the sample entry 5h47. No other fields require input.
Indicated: 5h06
